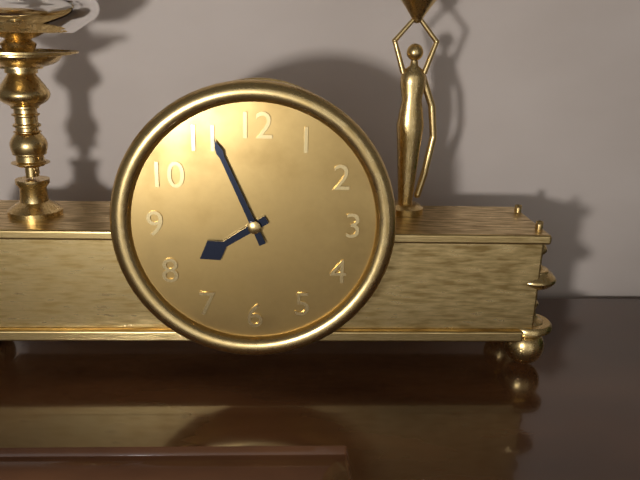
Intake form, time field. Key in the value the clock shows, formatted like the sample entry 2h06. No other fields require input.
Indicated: 7h56
